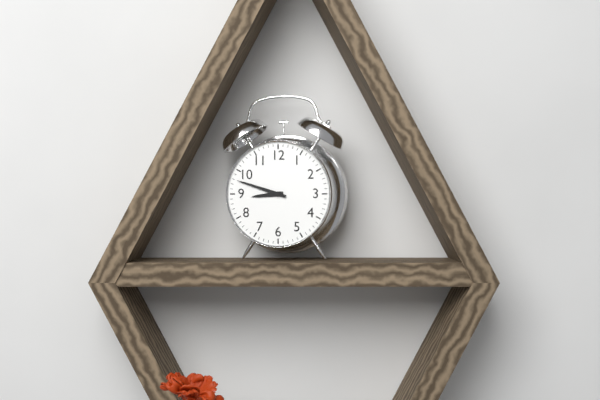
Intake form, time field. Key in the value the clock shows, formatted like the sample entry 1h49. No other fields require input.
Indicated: 8h48
